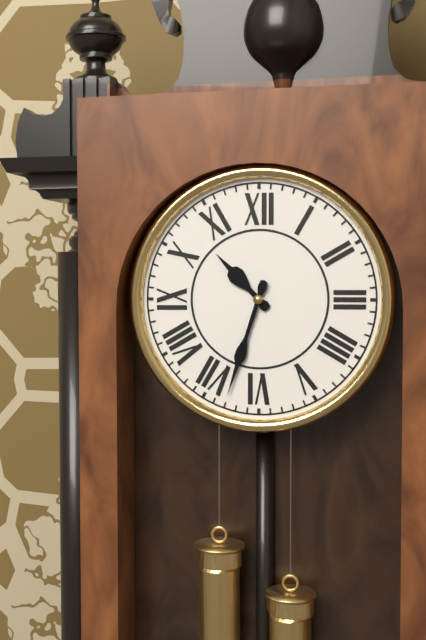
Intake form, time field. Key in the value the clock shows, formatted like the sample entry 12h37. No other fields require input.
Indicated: 10h33
